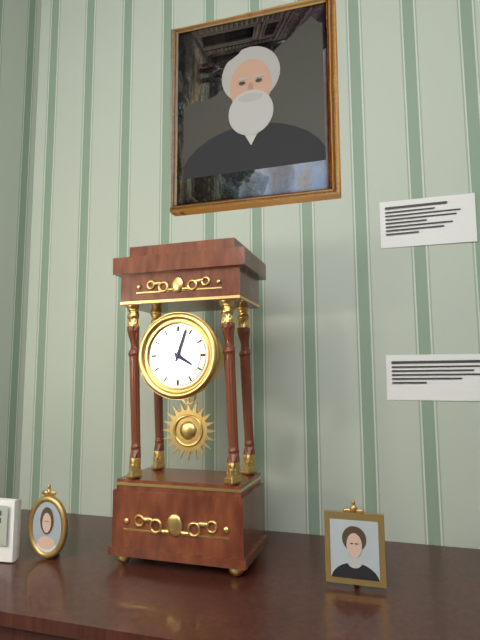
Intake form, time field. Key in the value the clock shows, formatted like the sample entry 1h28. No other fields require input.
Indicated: 4h03
